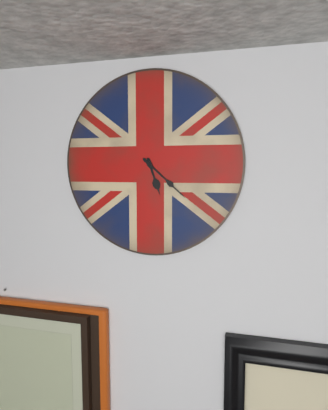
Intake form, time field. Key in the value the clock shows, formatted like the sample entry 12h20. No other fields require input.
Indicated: 5h22
